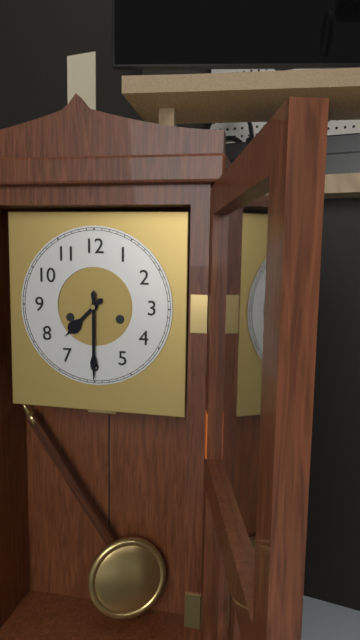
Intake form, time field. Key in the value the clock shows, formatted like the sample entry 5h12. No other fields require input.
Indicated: 7h30
